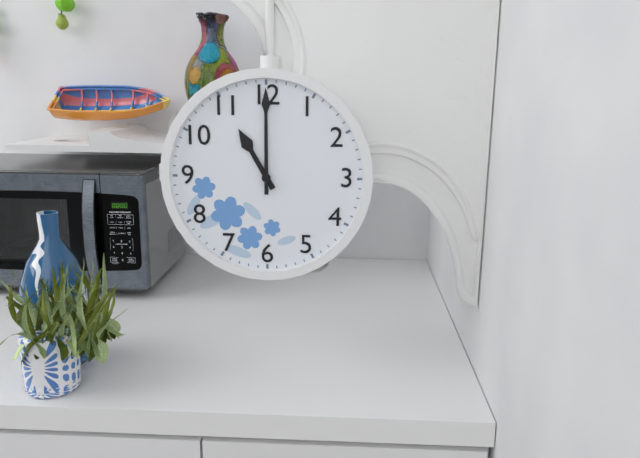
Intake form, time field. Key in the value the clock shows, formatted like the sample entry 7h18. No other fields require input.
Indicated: 11h00
